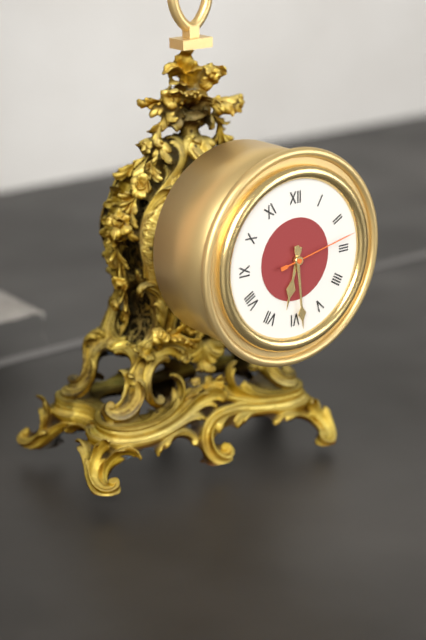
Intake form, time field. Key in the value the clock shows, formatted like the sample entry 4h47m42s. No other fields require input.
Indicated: 6h29m13s
